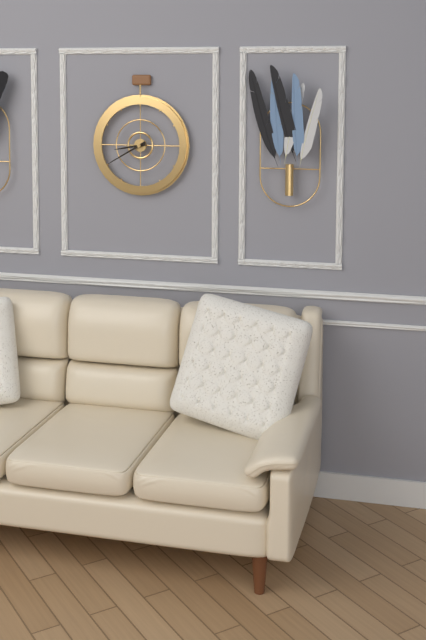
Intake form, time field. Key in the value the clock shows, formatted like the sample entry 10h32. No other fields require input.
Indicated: 8h40
